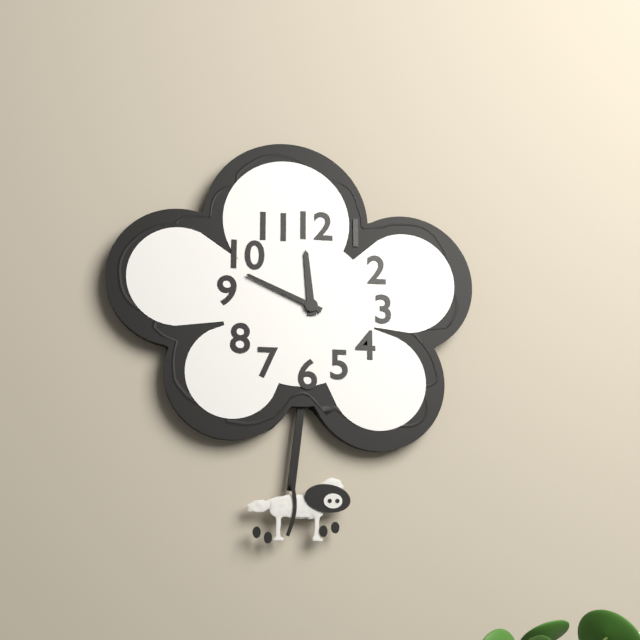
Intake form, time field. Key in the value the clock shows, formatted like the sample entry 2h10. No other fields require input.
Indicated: 11h49
